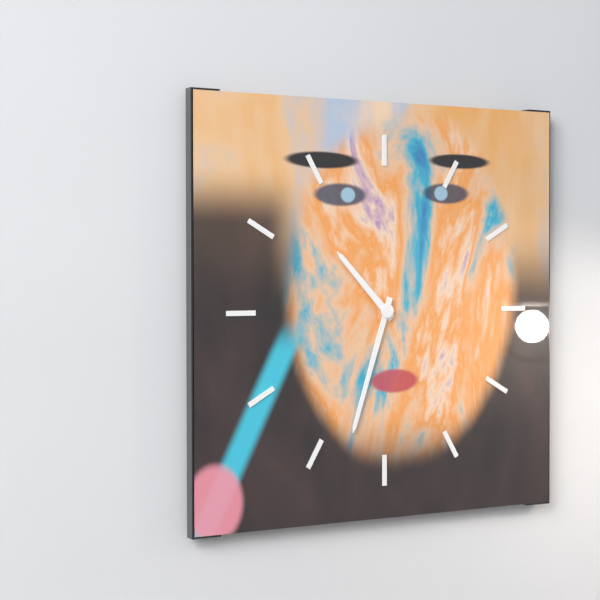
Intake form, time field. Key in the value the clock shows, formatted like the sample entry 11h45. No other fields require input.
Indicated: 10h33
